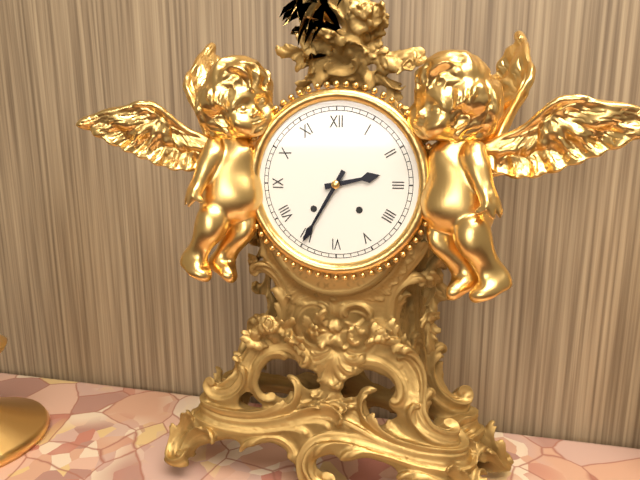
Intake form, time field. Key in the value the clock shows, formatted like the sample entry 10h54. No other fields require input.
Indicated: 2h35
